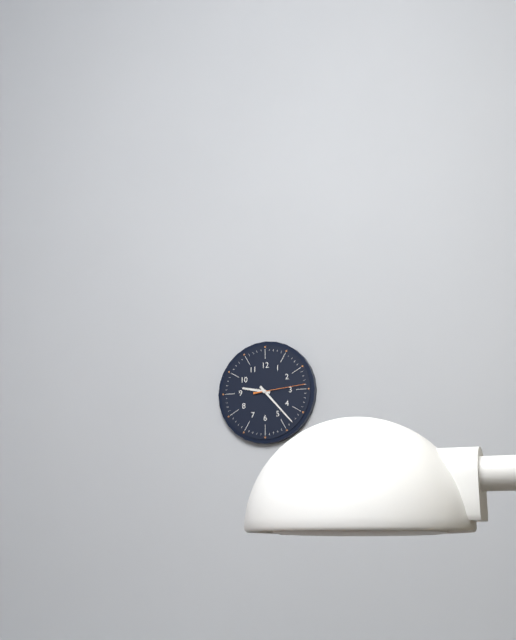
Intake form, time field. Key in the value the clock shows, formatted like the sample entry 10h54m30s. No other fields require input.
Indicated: 9h23m14s
